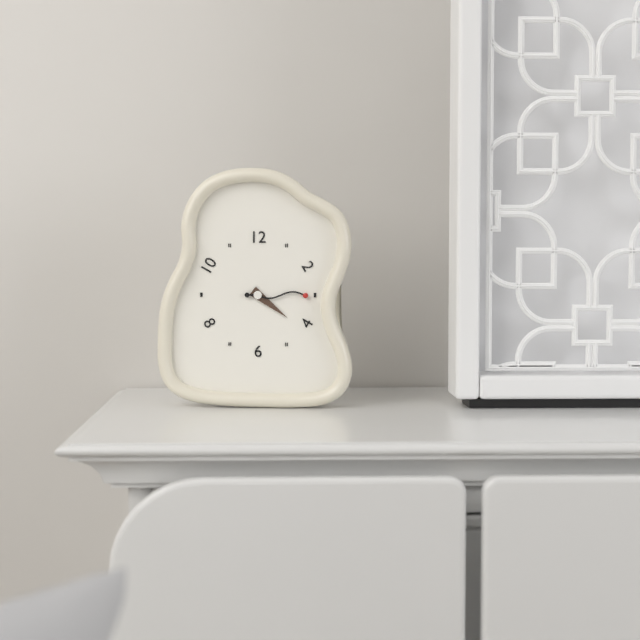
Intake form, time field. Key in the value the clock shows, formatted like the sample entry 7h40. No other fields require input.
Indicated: 4h15
